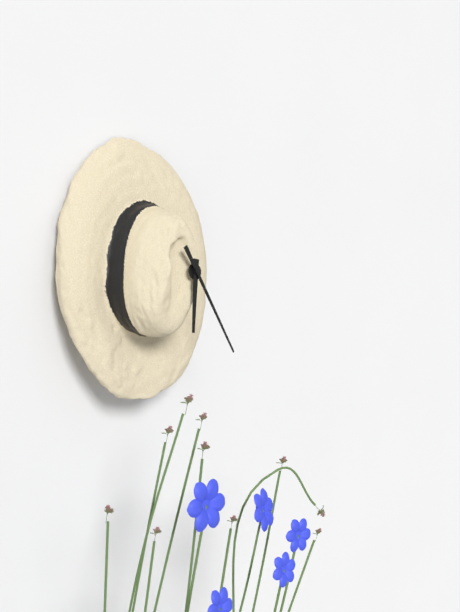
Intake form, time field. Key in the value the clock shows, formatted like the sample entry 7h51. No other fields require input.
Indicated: 6h26
